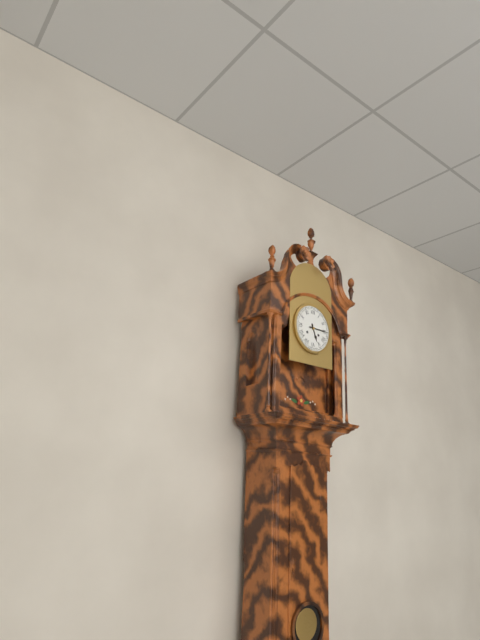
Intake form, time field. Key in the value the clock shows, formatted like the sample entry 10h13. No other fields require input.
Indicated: 5h15
